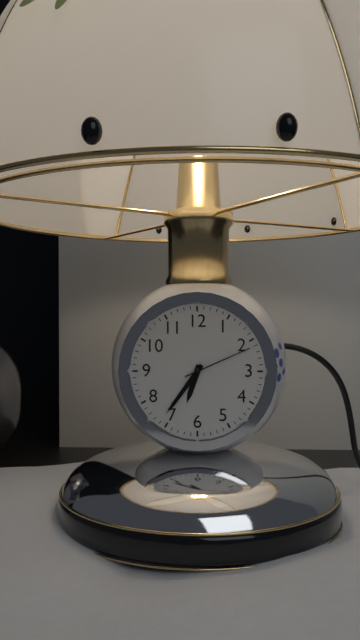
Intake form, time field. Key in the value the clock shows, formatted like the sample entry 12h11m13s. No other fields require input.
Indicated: 6h36m11s
